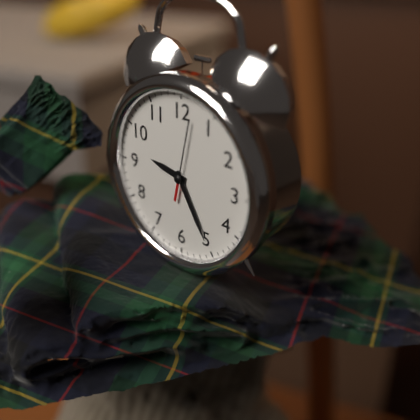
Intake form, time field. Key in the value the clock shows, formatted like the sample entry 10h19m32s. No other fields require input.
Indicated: 9h25m02s
